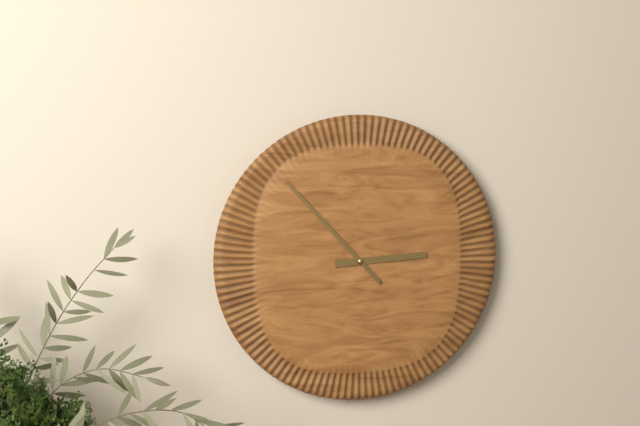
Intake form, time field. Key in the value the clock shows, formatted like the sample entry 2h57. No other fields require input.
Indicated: 2h53
